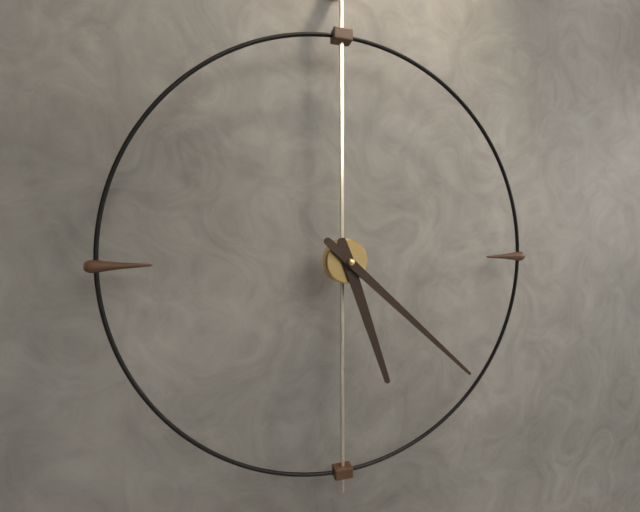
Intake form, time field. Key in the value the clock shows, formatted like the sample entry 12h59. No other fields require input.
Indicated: 5h22
